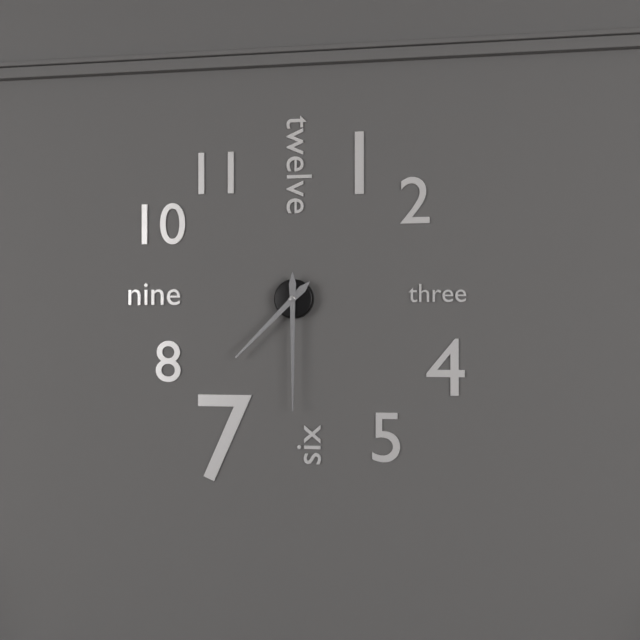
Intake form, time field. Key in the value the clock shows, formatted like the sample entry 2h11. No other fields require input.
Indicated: 7h30
